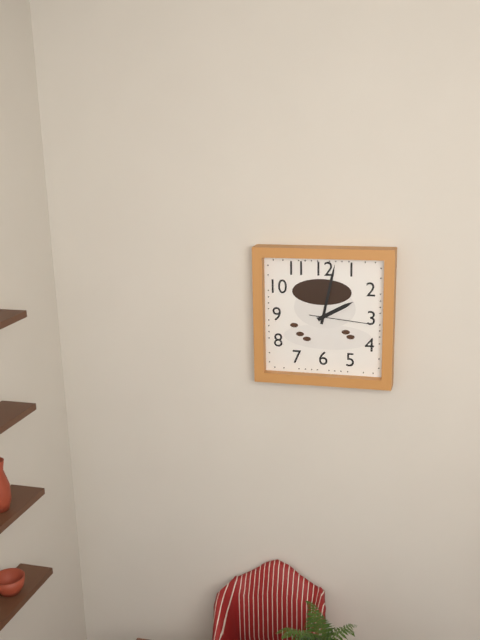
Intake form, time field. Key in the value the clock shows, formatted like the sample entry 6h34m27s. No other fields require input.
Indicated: 2h02m16s
